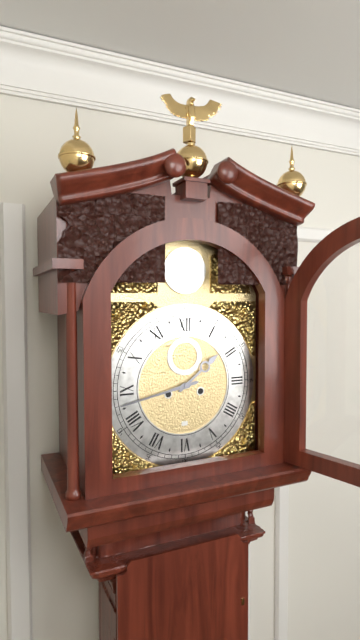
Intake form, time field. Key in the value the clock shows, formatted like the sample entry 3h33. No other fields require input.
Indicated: 1h43
